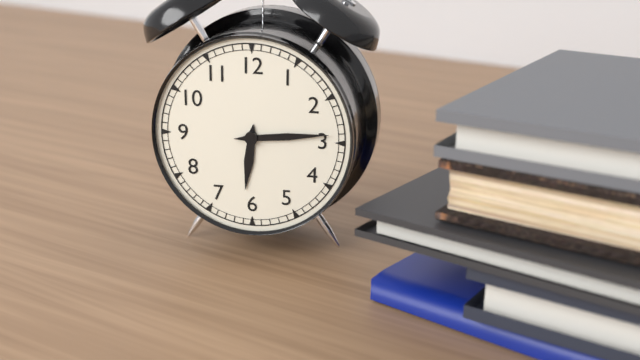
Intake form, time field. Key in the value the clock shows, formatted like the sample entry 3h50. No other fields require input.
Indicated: 6h14
